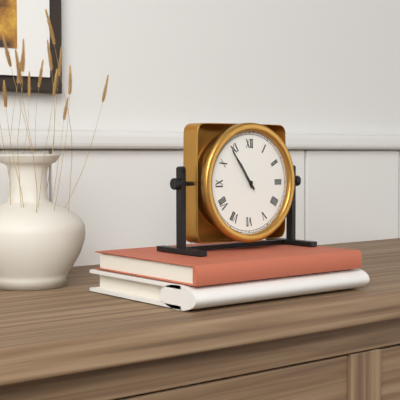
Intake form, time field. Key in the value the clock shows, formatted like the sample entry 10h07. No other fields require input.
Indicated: 10h54
